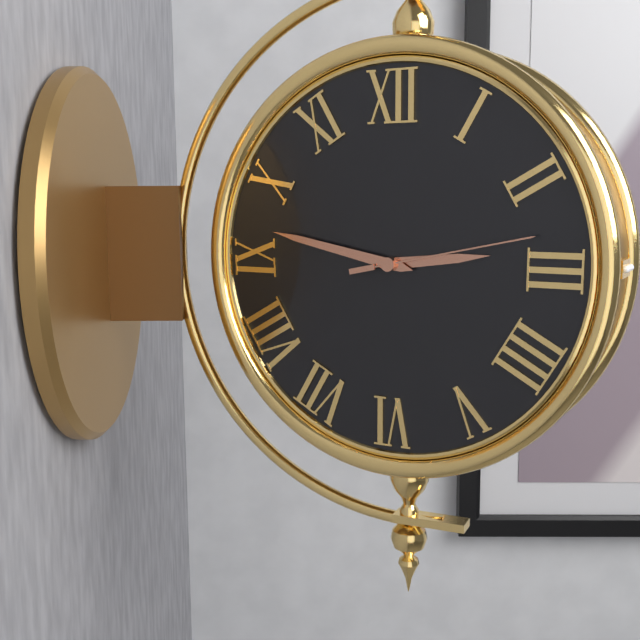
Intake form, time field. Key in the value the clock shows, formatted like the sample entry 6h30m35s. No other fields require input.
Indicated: 2h47m13s
